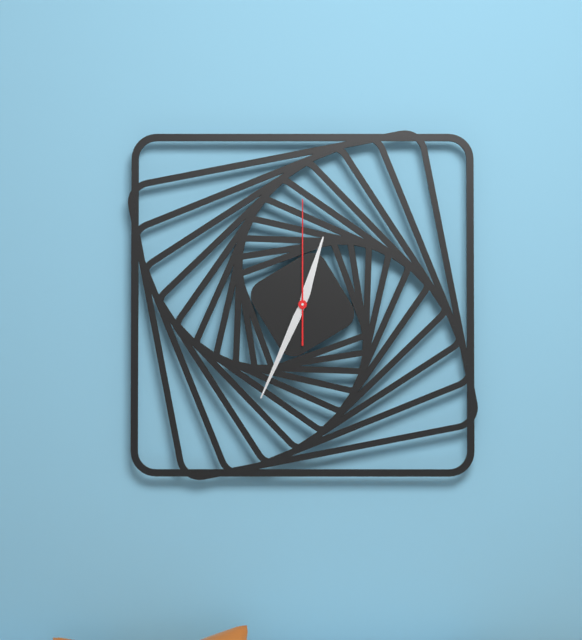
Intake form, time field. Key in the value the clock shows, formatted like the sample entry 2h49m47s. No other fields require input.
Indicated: 12h34m00s
